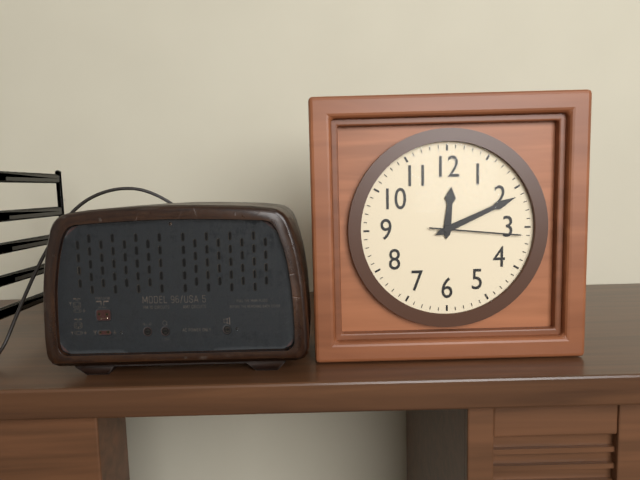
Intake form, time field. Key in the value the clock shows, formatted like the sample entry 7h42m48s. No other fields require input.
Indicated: 12h11m16s
